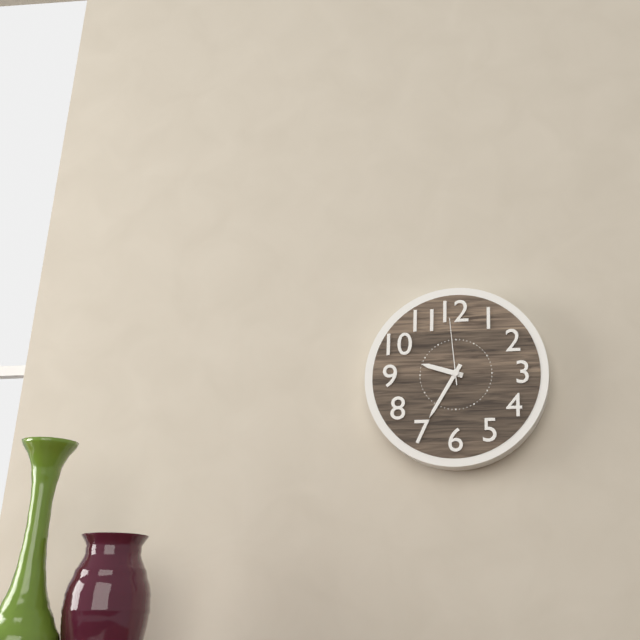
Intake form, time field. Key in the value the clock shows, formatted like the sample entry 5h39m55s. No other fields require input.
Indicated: 9h35m59s
